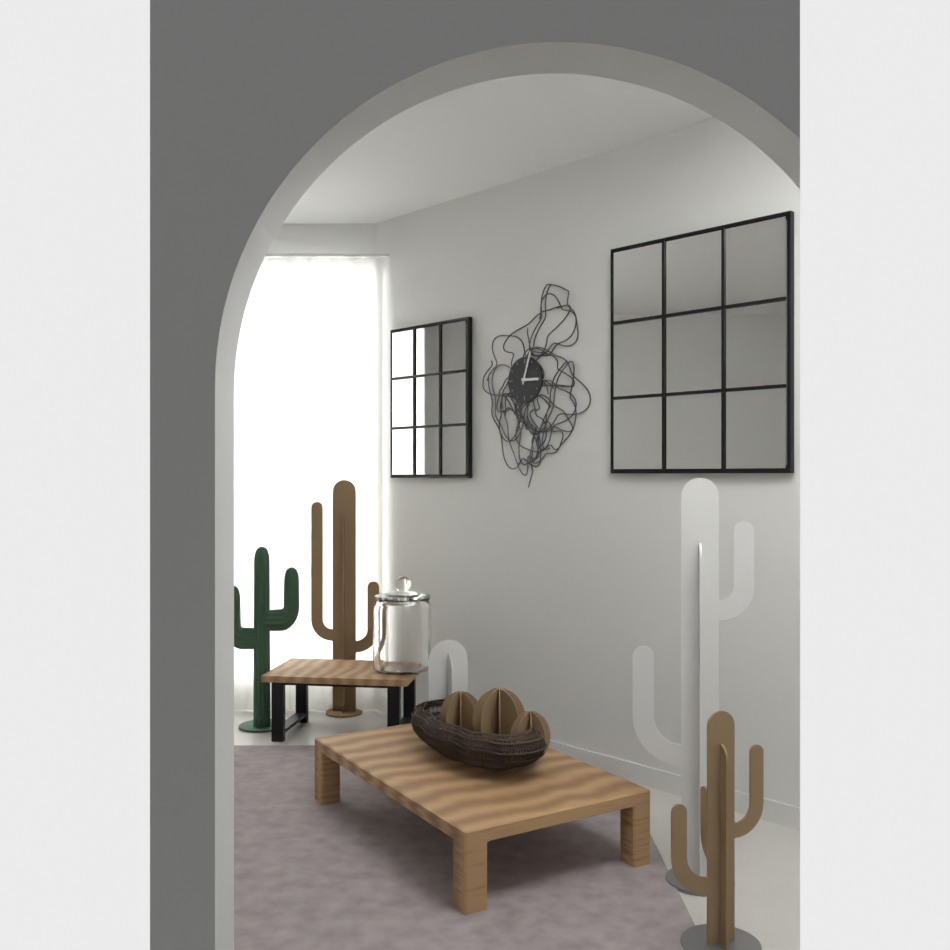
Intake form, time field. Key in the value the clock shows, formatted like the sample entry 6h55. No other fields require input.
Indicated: 3h03
